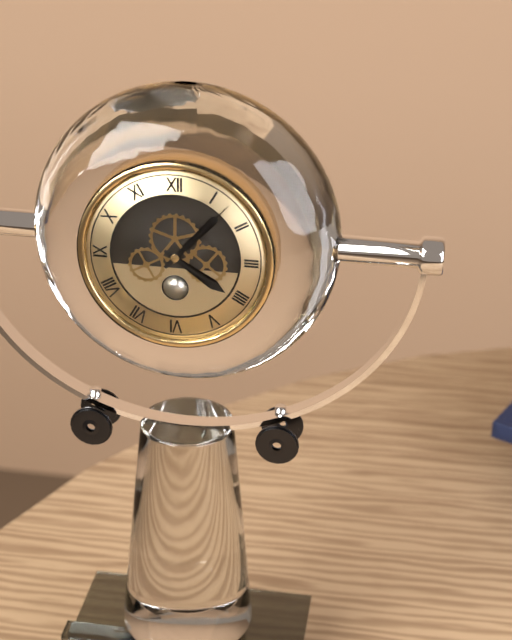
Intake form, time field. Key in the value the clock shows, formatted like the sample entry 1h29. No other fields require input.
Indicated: 4h07
